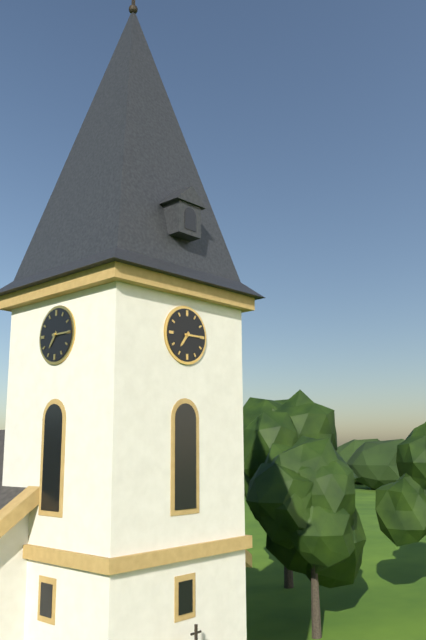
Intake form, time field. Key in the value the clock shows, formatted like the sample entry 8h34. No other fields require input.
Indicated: 7h15
